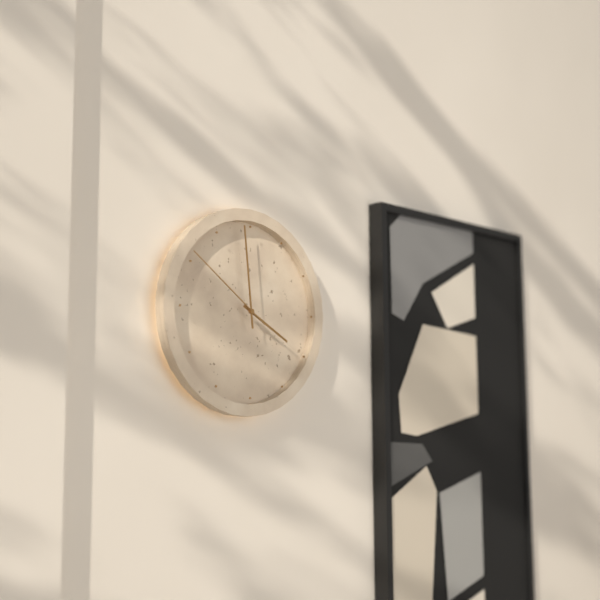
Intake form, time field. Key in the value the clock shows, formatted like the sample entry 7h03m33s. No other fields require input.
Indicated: 3h59m51s
